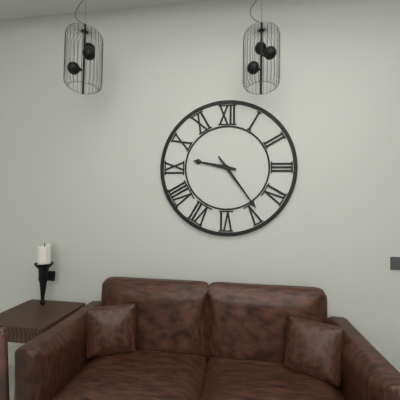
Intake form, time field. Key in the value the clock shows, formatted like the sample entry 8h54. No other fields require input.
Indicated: 9h24
